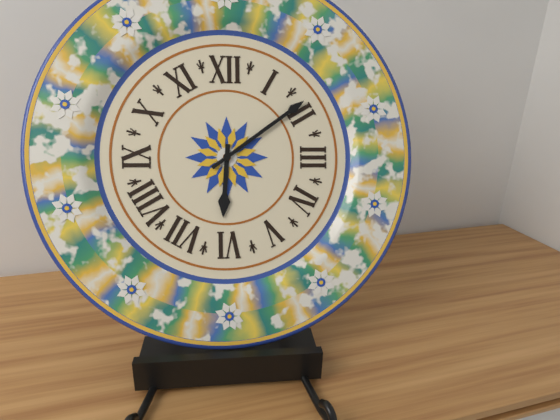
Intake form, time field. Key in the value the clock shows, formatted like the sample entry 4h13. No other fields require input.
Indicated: 6h09
